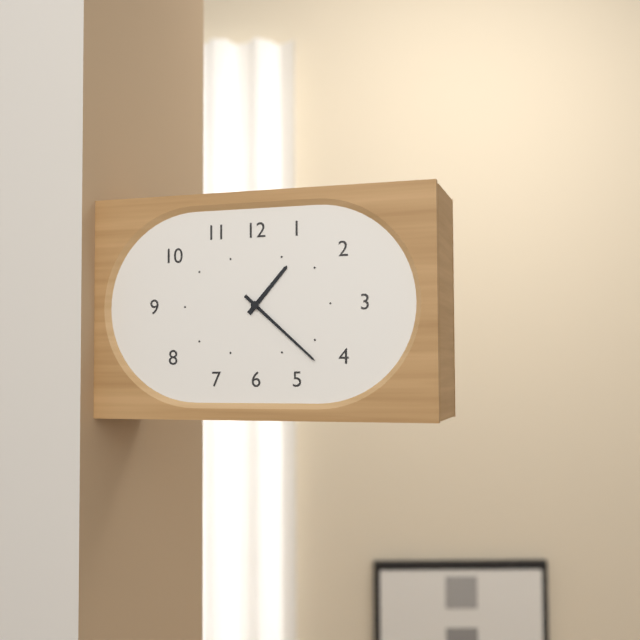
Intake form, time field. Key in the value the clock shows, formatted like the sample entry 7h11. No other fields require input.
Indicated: 1h22
